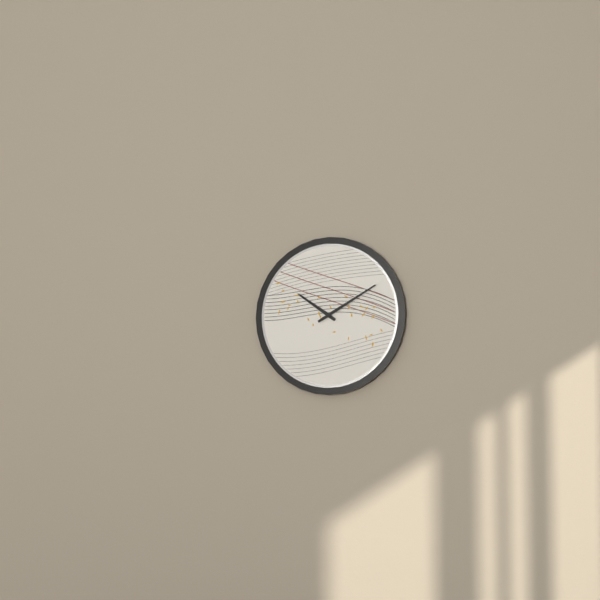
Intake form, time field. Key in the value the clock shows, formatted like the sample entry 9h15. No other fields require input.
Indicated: 10h10
